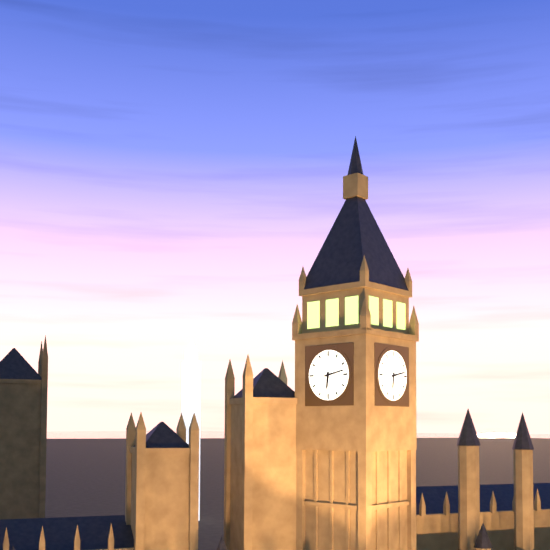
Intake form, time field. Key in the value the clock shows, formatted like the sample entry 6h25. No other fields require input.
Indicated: 6h13
